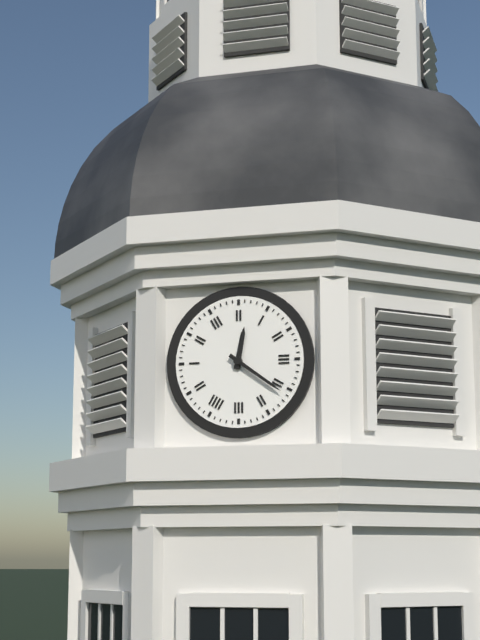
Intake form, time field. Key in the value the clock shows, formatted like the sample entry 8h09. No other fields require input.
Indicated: 12h21
